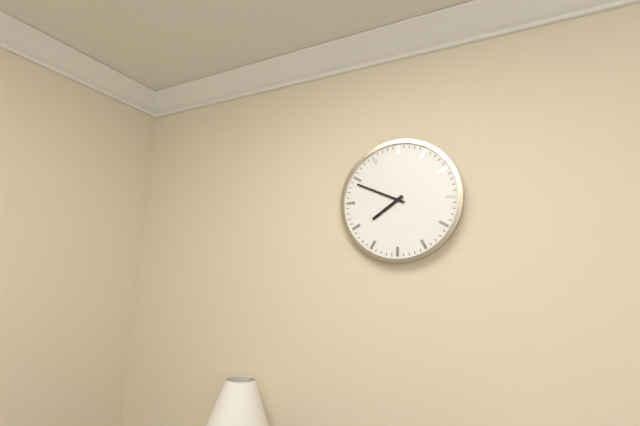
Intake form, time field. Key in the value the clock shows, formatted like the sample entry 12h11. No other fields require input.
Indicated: 7h49
